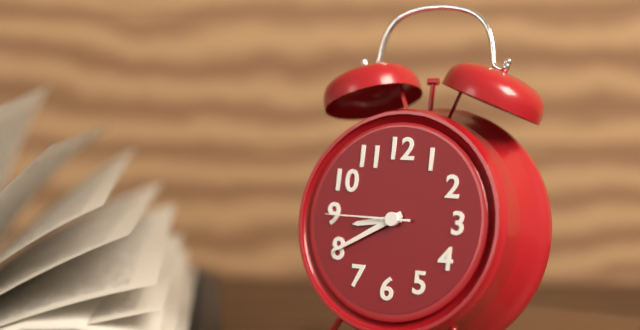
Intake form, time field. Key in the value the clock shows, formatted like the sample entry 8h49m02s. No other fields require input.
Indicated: 8h40m45s
